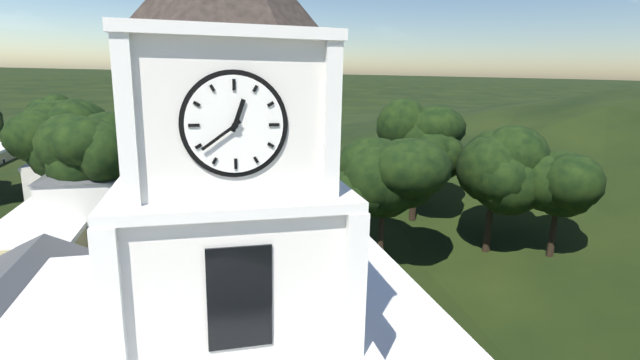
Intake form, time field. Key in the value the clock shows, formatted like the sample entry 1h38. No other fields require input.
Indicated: 12h39
